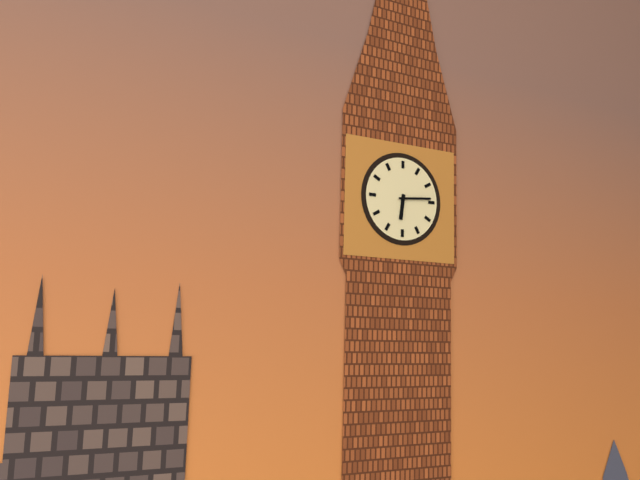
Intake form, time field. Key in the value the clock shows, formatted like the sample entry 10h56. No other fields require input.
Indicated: 6h14
